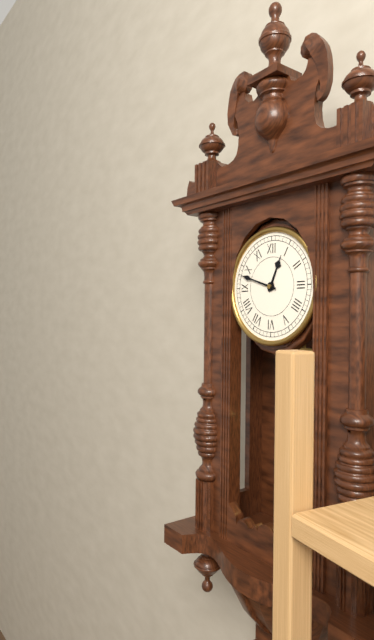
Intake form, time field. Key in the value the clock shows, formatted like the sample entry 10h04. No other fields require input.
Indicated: 12h48
